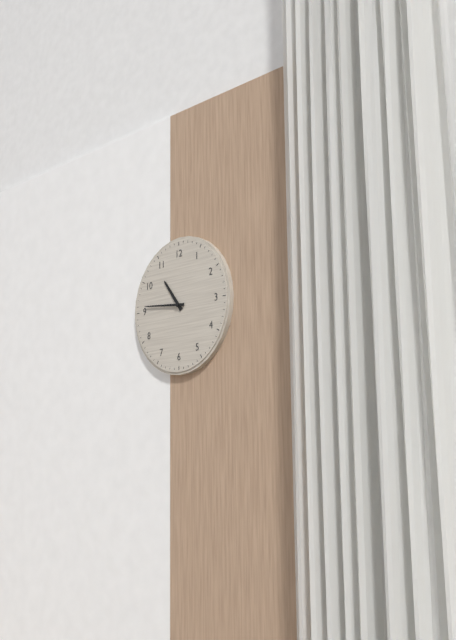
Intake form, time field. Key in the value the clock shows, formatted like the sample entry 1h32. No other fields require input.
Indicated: 10h46
